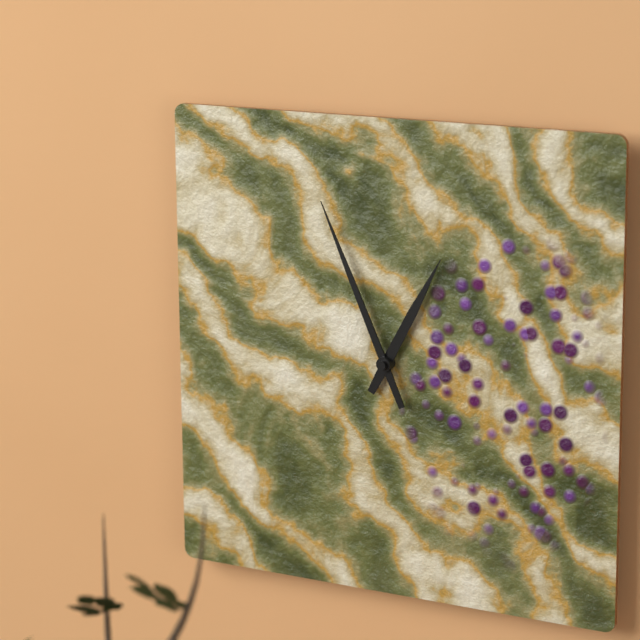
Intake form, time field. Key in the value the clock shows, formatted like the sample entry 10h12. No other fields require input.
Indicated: 12h56
